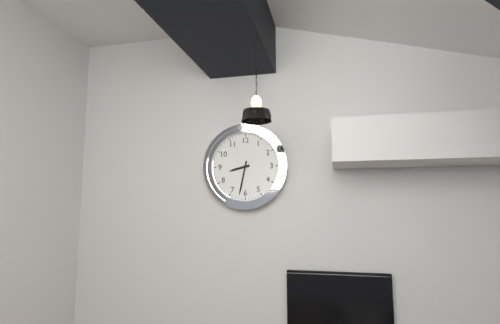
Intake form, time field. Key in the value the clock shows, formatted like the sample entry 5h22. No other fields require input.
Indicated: 8h32
